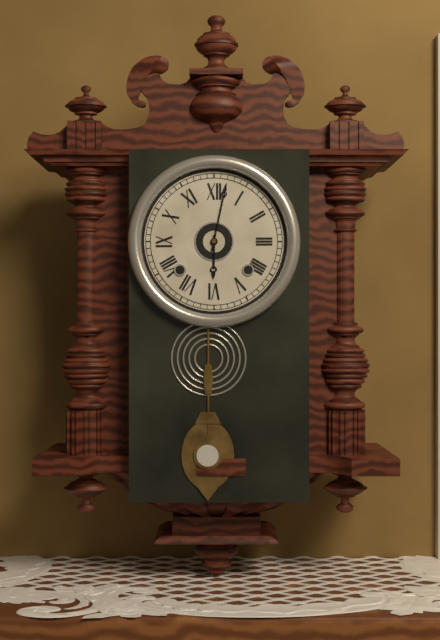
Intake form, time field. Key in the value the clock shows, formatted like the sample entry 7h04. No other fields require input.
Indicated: 6h02
